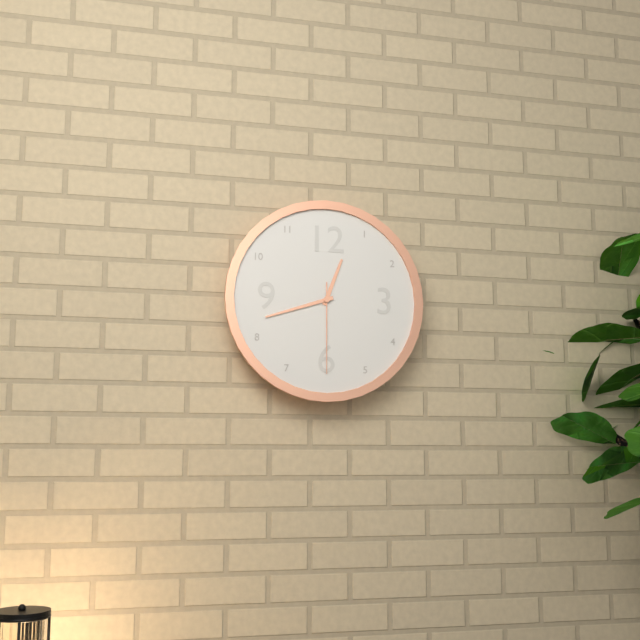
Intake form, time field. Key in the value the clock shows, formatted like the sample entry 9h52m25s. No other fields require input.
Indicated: 12h42m30s
